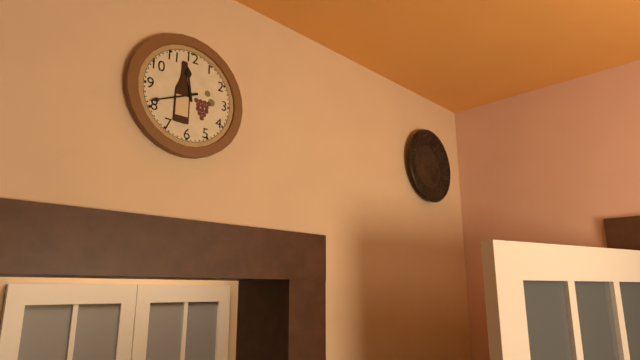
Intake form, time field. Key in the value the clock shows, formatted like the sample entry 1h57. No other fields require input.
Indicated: 11h41
